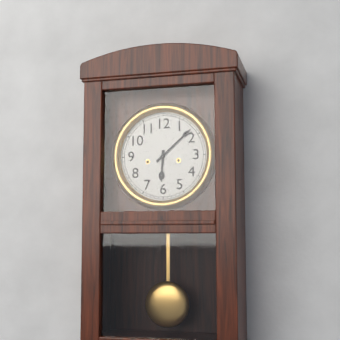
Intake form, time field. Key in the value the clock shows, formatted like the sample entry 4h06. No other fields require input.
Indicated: 6h08
